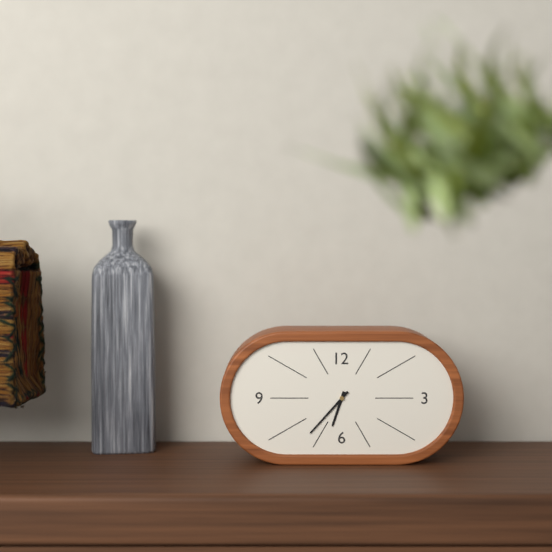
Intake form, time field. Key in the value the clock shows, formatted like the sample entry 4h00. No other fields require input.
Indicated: 6h37
